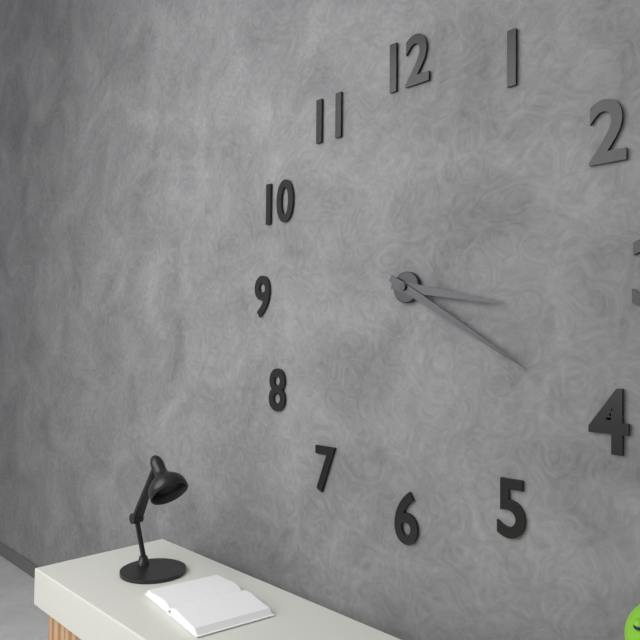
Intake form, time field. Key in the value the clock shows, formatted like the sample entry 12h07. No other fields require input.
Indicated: 3h20
